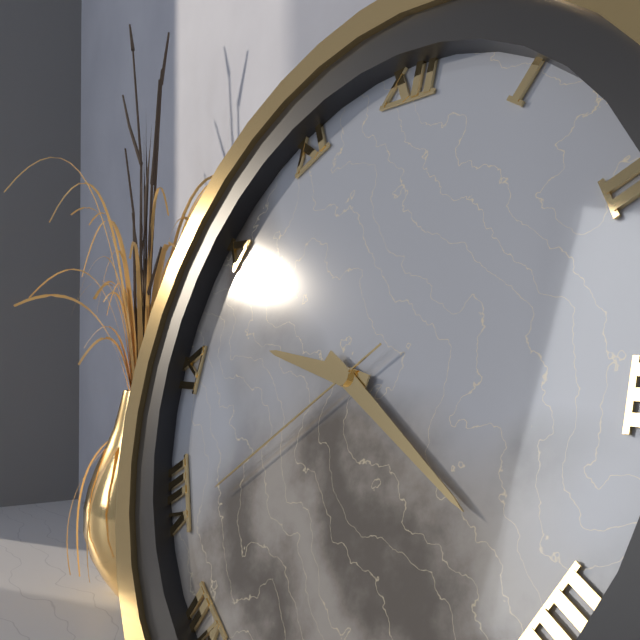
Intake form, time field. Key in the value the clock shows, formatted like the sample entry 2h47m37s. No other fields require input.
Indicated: 9h20m39s
